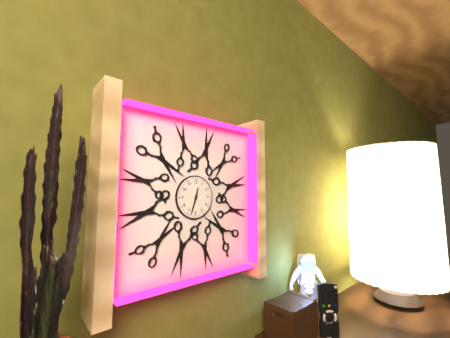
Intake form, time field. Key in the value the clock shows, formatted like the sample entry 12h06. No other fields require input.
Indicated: 12h33
